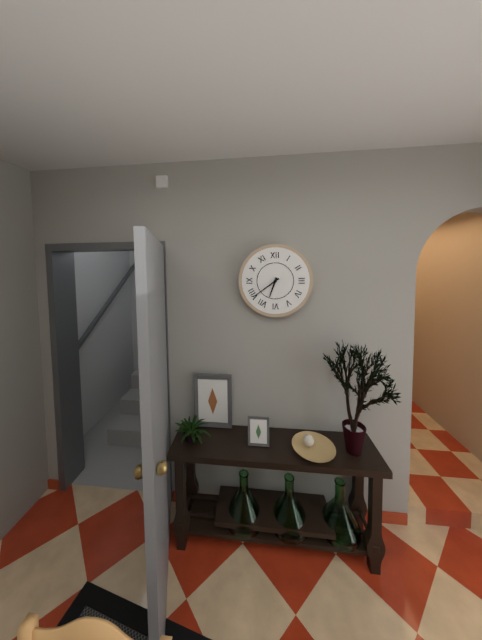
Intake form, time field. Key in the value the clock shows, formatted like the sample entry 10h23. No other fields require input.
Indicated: 6h39
